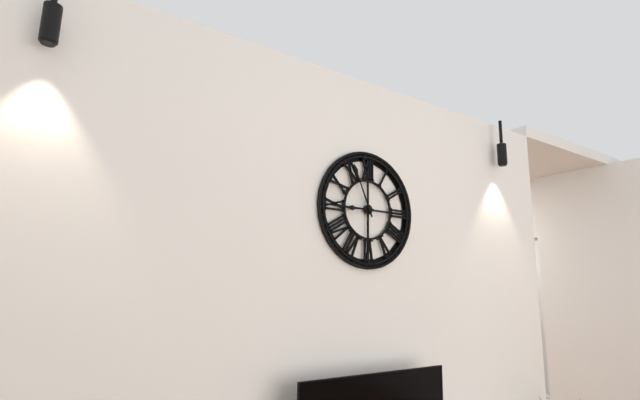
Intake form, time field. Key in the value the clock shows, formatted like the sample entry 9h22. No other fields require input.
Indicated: 8h56
